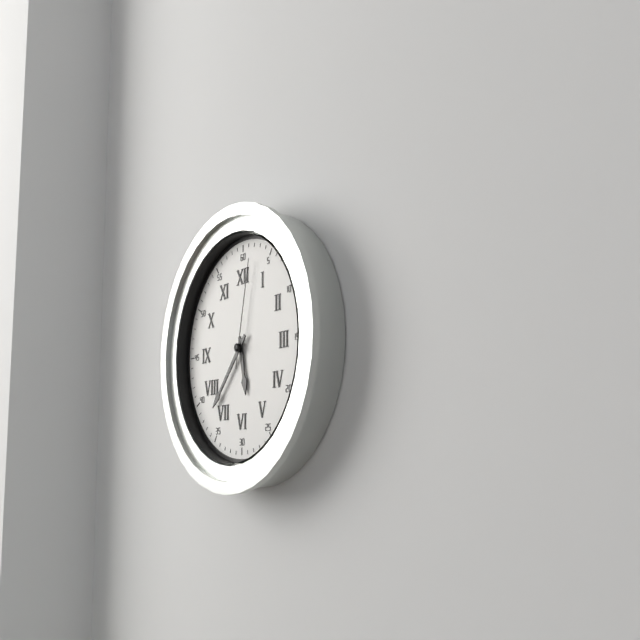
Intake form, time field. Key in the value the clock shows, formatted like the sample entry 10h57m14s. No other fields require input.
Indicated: 5h37m02s
